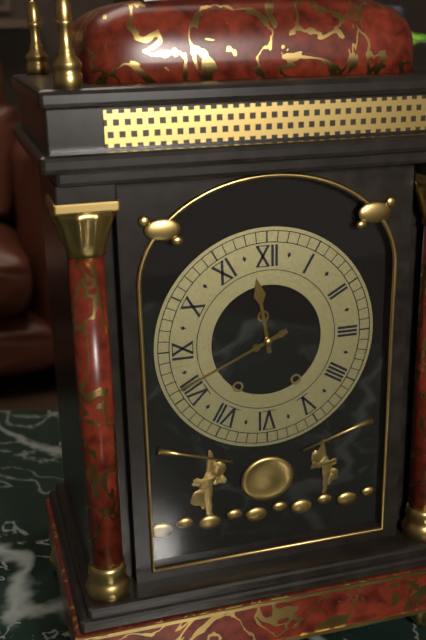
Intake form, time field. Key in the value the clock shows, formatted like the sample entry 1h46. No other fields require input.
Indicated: 11h41
